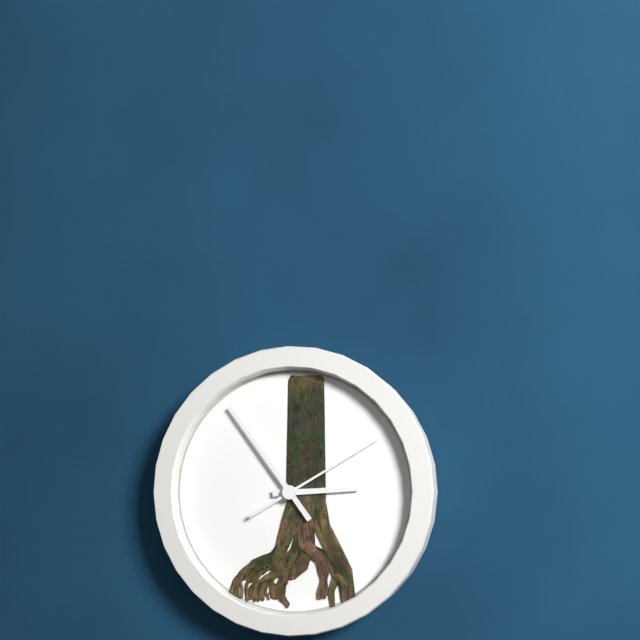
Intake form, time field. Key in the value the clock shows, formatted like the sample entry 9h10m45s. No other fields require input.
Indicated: 2h54m10s
